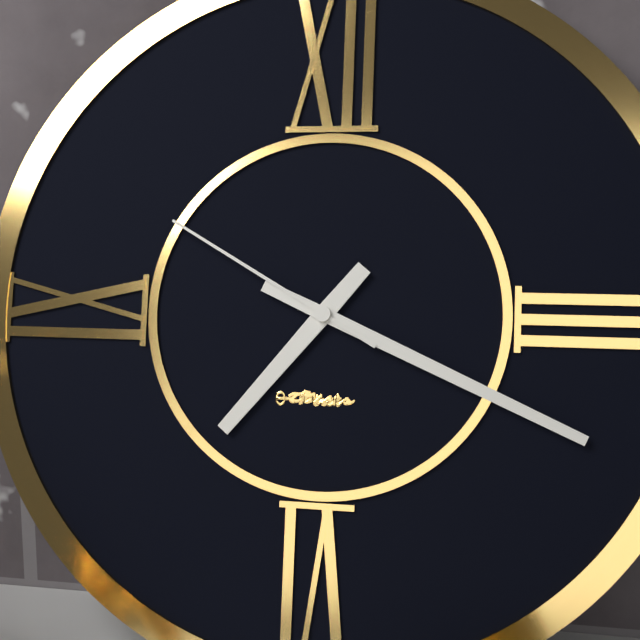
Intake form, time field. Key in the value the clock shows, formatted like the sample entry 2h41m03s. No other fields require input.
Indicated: 7h19m50s
